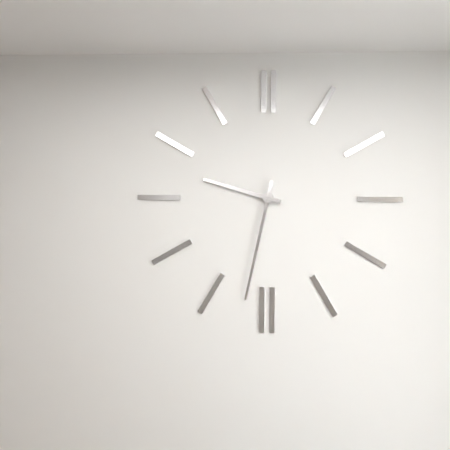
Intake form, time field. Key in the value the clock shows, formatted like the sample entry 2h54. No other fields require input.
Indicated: 9h32
